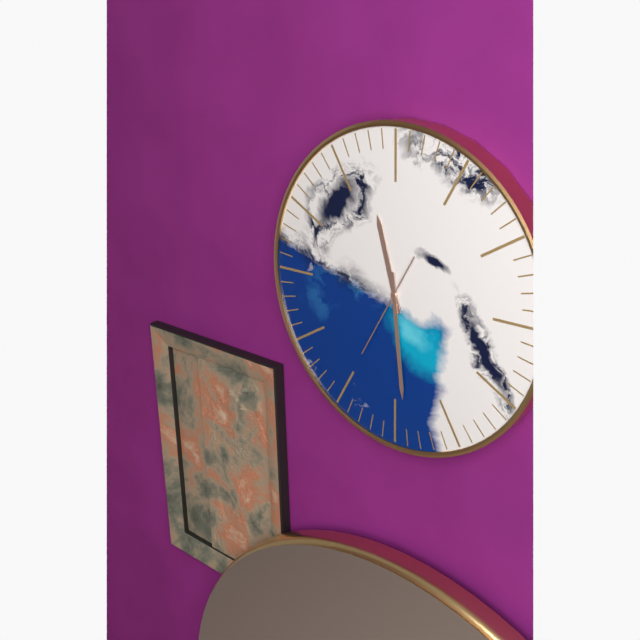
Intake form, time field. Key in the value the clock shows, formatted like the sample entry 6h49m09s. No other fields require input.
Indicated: 11h29m35s
